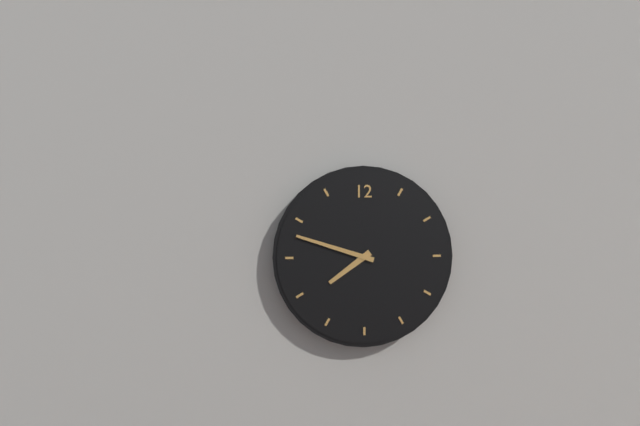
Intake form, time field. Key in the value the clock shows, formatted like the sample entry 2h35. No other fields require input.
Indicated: 7h48
